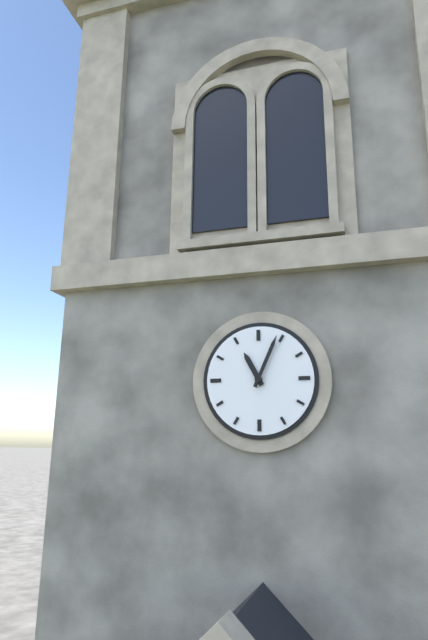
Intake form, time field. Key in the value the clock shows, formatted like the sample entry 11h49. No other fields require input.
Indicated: 11h04
